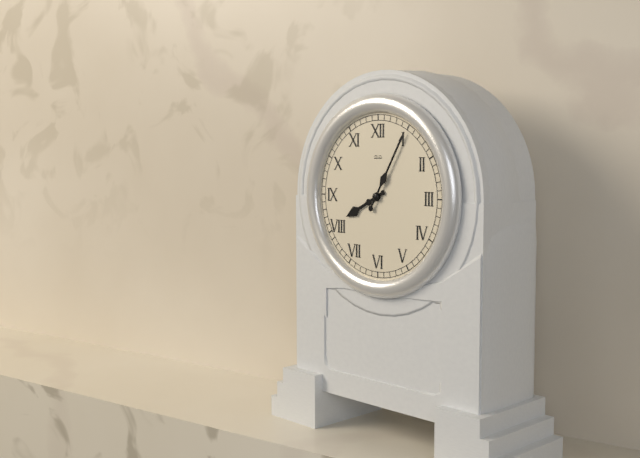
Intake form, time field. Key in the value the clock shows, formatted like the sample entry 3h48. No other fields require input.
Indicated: 8h05
